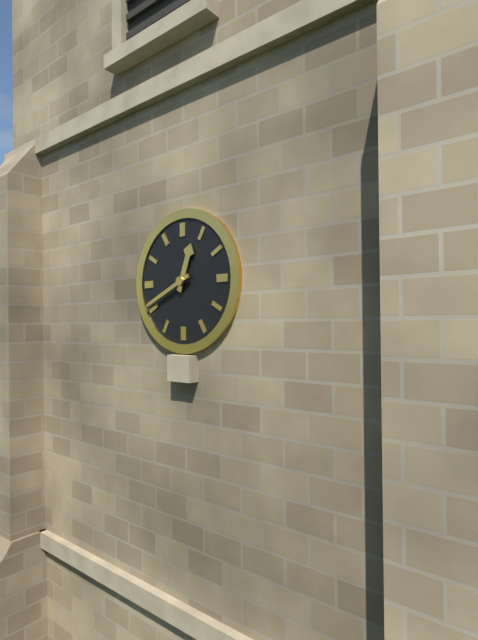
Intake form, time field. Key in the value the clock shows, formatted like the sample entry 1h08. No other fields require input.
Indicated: 12h41
